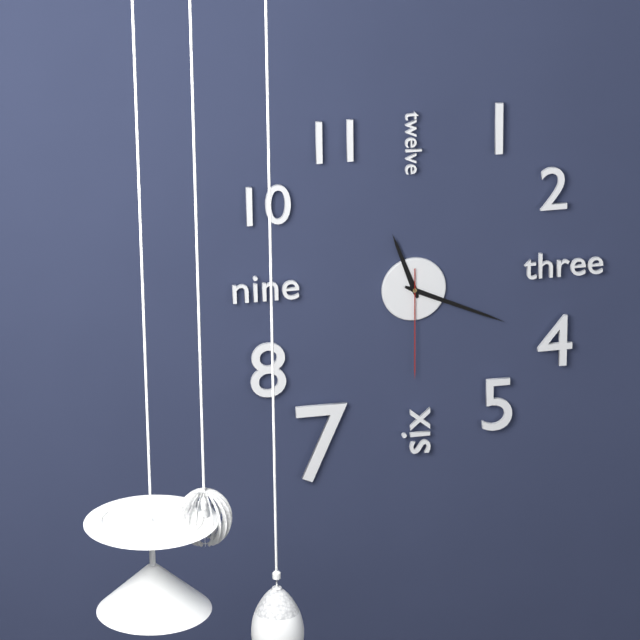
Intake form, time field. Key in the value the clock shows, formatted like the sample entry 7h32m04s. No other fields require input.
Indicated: 11h19m30s
